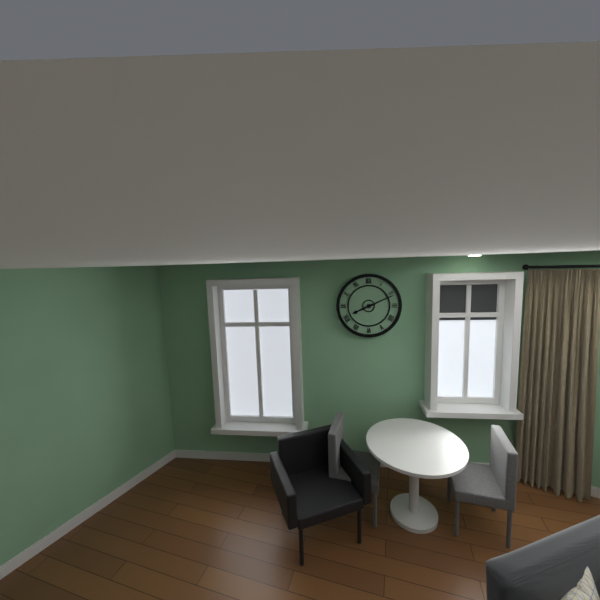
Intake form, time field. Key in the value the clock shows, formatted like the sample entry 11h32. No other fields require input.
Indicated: 8h11
